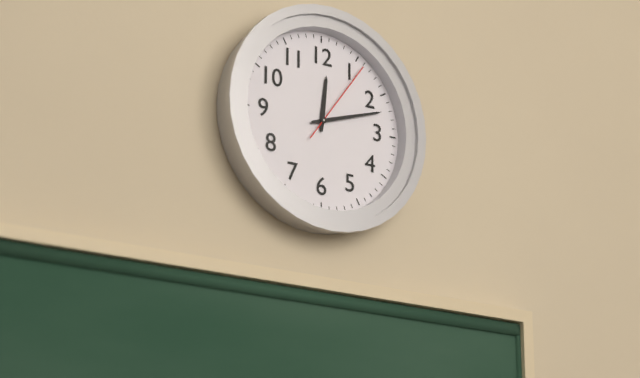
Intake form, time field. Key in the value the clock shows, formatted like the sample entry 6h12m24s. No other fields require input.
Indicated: 12h12m06s
